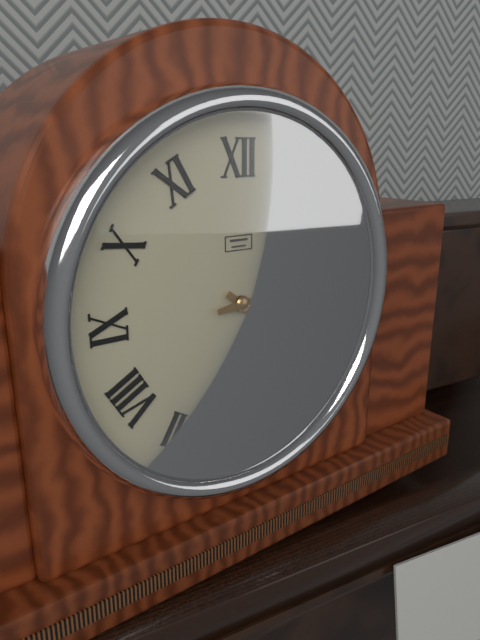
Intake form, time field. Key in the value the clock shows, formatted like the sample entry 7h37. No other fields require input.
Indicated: 4h14
